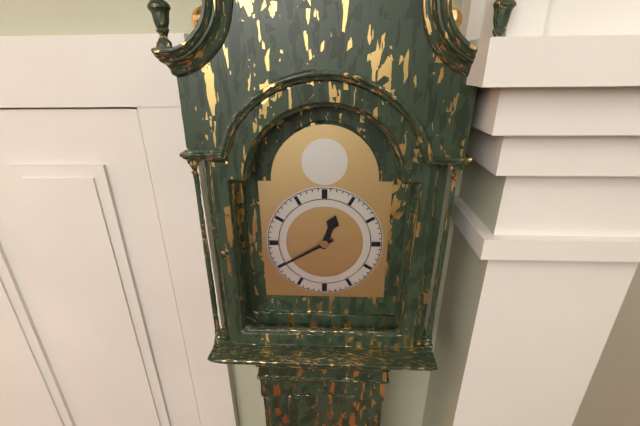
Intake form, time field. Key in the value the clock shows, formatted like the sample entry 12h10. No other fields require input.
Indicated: 12h40
